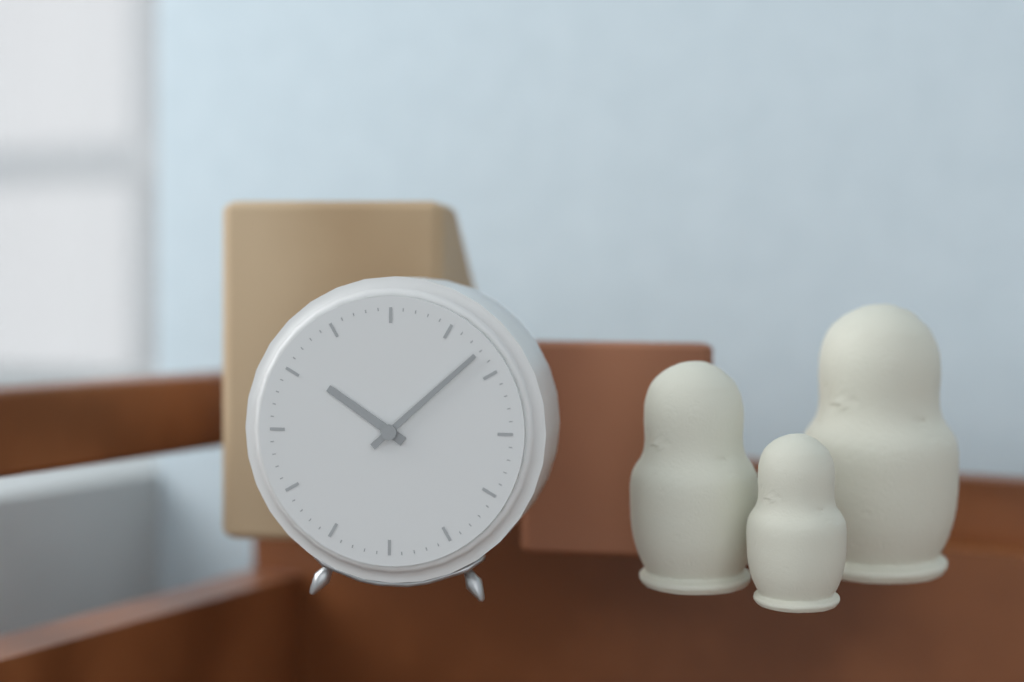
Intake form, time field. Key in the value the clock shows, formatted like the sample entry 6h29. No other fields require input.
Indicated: 10h08
